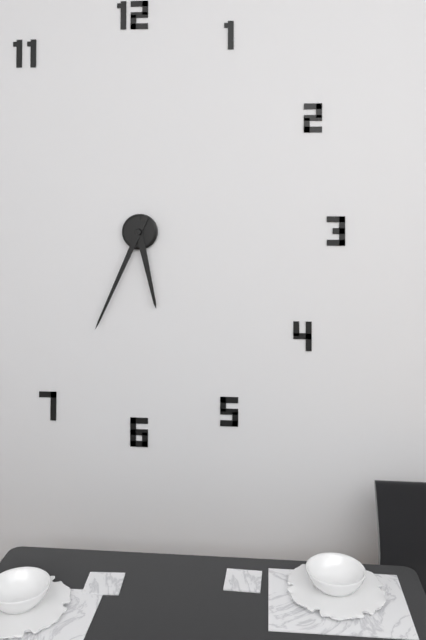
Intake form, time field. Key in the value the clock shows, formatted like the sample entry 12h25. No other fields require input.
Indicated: 5h34
